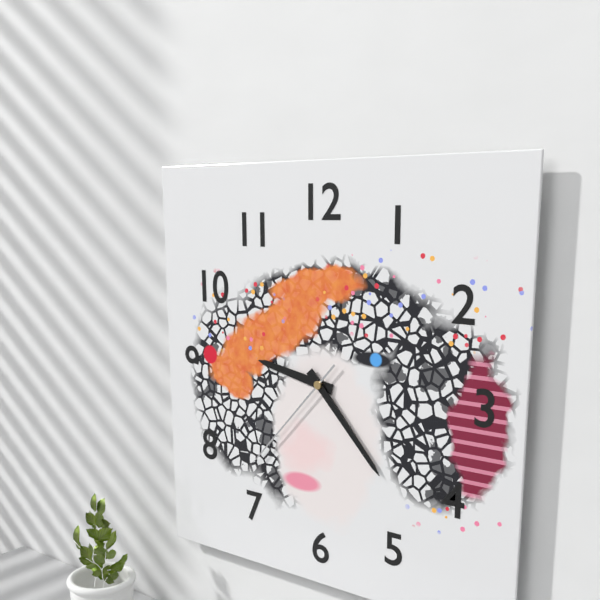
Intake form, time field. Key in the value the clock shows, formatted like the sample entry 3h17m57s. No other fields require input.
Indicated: 9h23m37s
